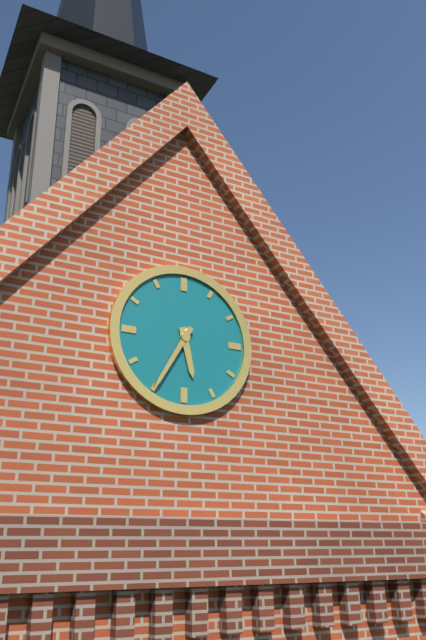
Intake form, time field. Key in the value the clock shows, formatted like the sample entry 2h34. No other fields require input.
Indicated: 5h35
